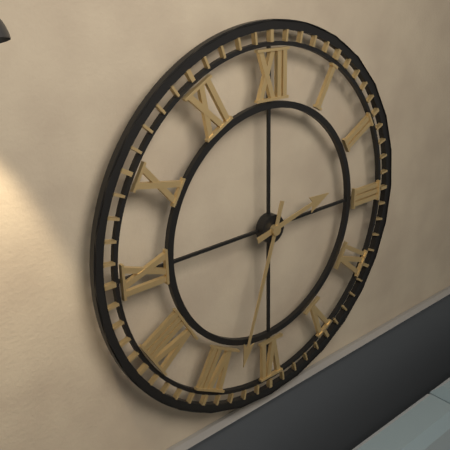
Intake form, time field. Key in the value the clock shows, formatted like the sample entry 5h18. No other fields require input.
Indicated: 2h33
